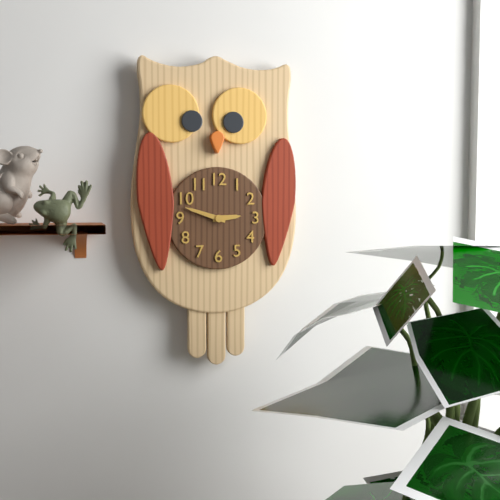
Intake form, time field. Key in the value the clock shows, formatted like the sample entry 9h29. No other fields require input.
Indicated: 2h48
